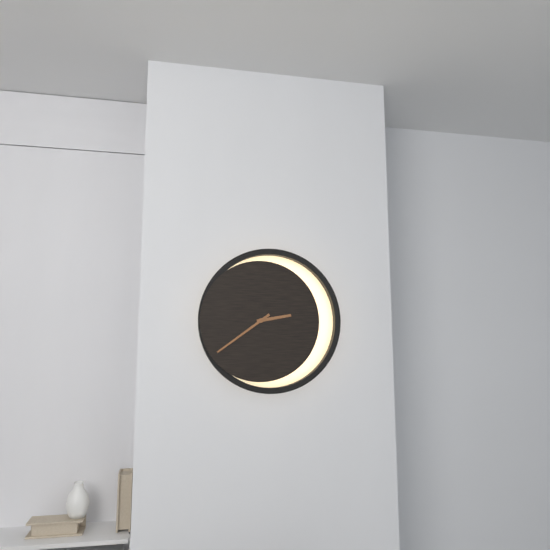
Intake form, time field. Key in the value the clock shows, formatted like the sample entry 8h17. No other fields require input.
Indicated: 2h39
